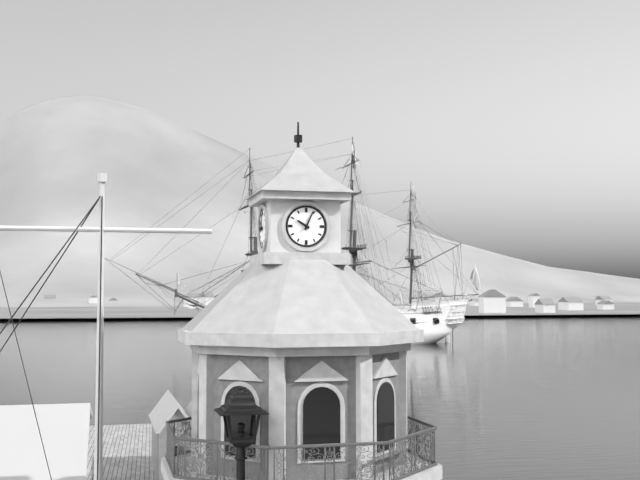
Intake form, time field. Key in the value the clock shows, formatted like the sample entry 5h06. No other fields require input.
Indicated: 10h04
